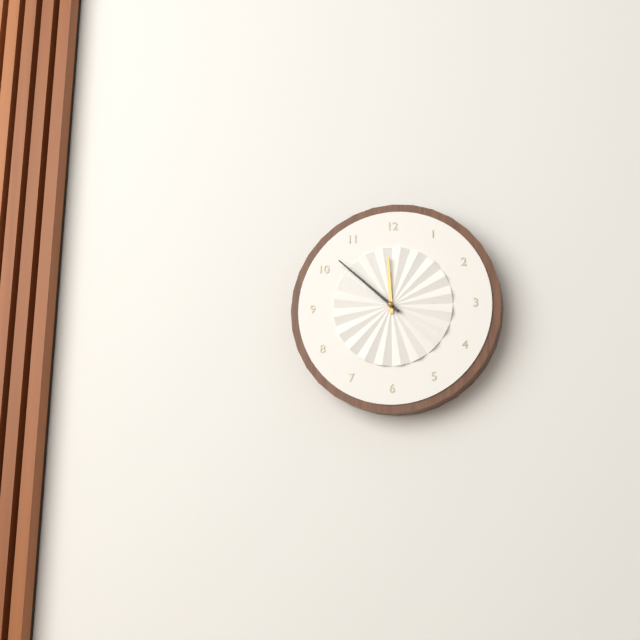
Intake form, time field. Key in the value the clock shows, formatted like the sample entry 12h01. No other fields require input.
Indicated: 11h52
